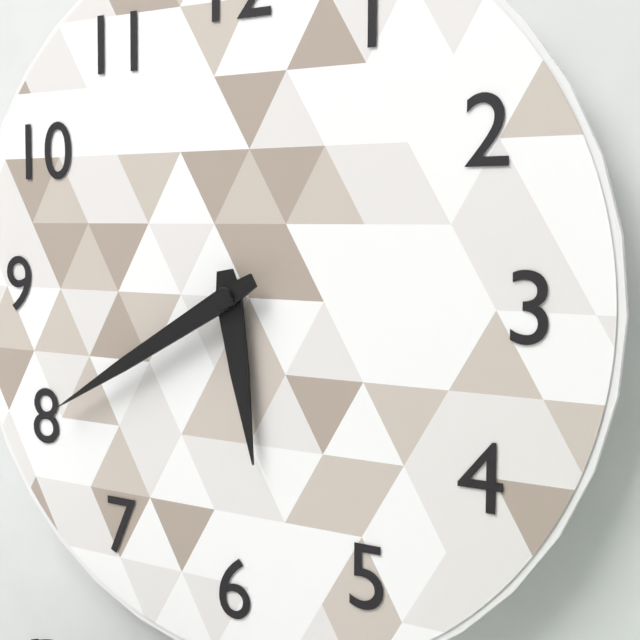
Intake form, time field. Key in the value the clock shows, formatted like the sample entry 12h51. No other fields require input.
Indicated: 5h40
